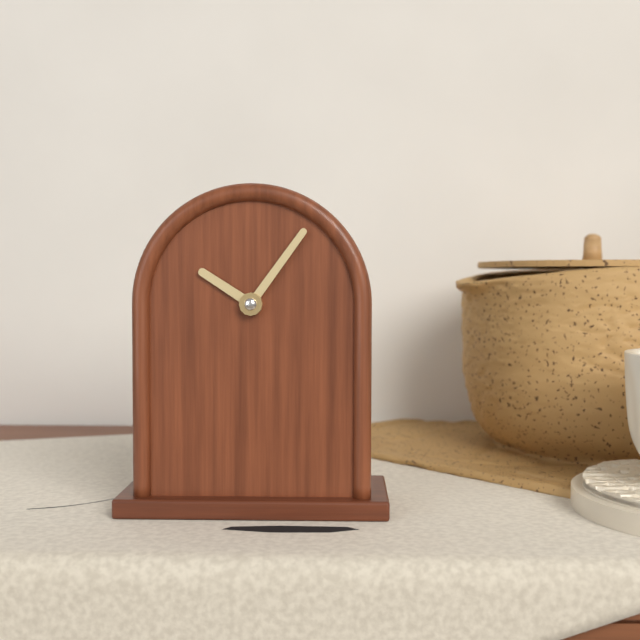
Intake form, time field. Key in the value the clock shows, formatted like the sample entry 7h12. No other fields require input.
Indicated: 10h06
